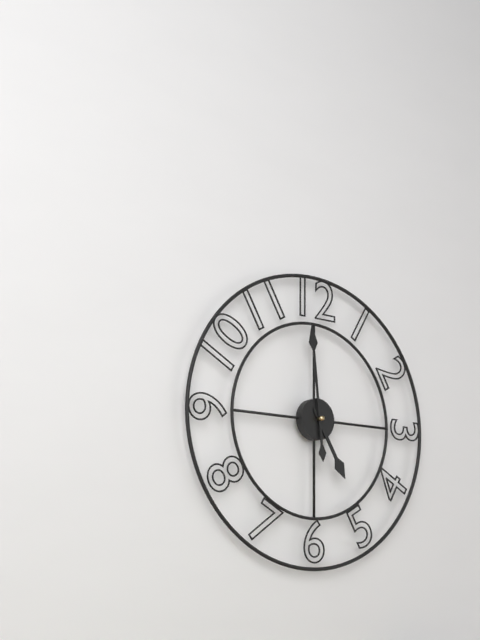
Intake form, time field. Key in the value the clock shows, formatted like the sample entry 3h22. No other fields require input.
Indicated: 4h59
